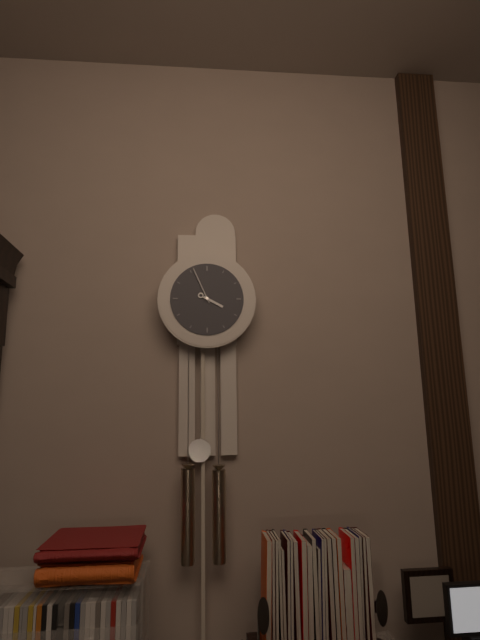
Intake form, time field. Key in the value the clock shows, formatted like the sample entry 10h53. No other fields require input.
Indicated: 3h56
